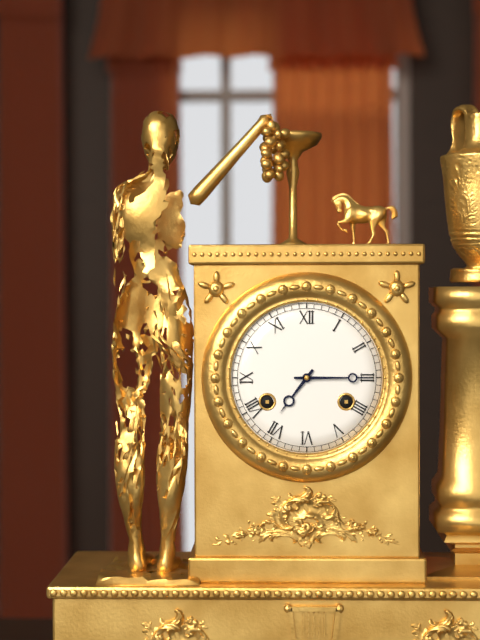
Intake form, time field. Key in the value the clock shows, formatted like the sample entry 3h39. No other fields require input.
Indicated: 7h15
